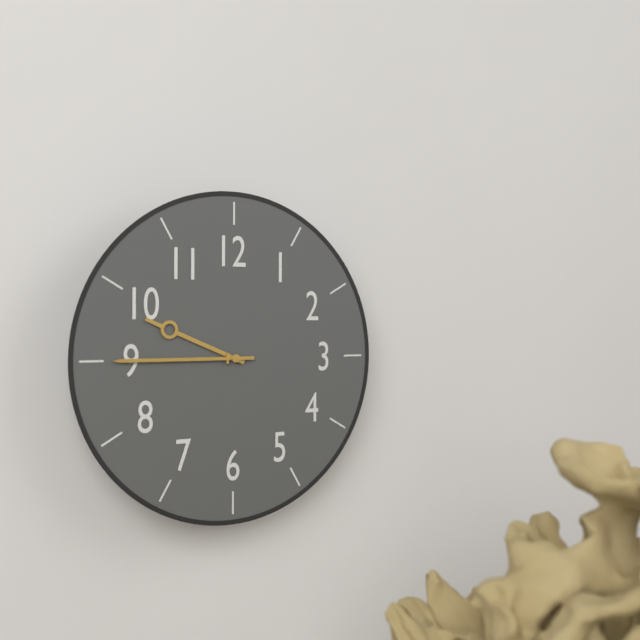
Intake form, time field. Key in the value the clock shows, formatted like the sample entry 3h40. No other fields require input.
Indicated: 9h45
